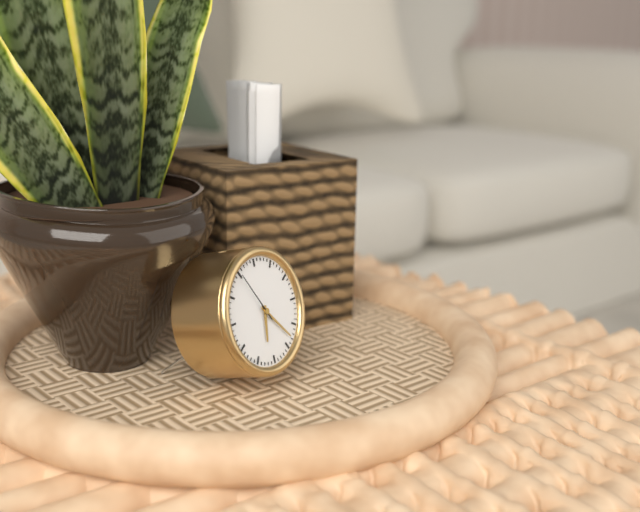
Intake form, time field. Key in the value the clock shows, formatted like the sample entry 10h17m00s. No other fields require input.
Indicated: 6h23m55s
